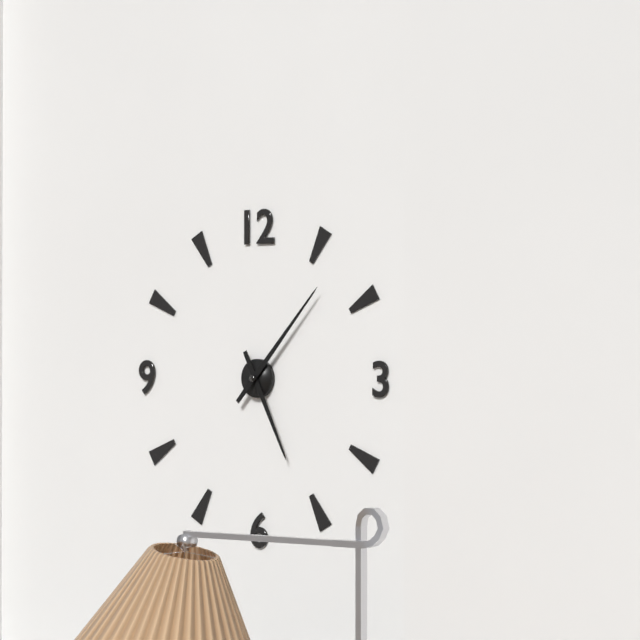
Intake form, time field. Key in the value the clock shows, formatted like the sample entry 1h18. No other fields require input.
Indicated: 5h07
